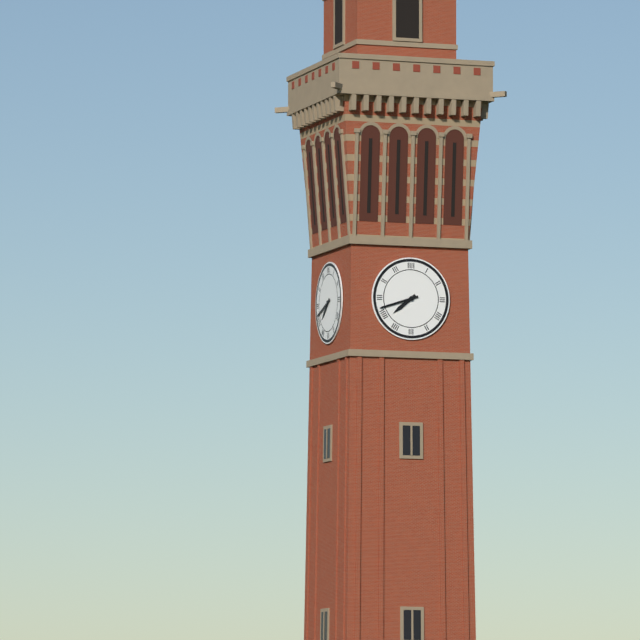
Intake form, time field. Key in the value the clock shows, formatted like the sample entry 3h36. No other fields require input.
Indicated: 7h42
